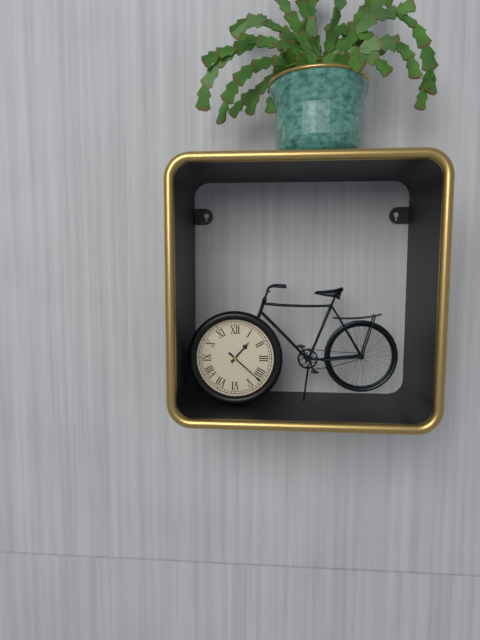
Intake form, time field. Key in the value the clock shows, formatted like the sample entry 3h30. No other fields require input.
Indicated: 1h22
